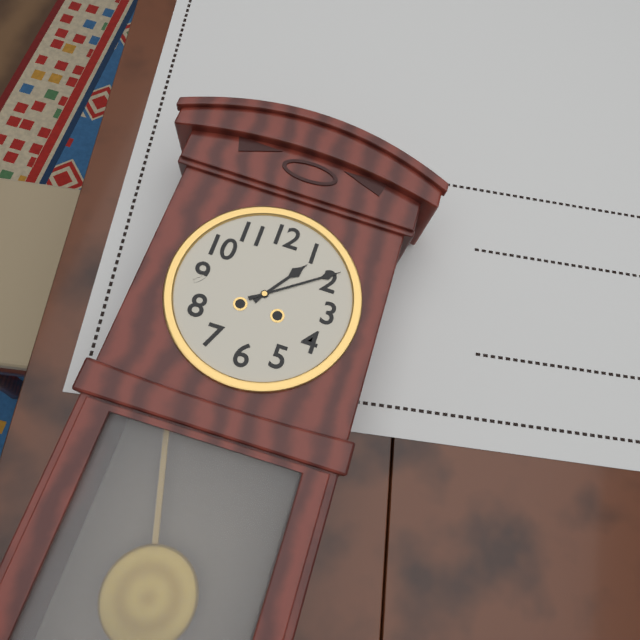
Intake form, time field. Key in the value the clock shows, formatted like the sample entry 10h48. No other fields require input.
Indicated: 1h09
